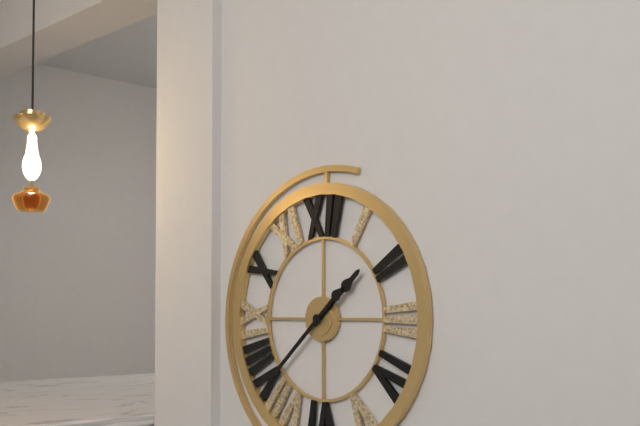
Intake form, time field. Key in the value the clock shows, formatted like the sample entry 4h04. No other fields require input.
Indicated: 1h38
